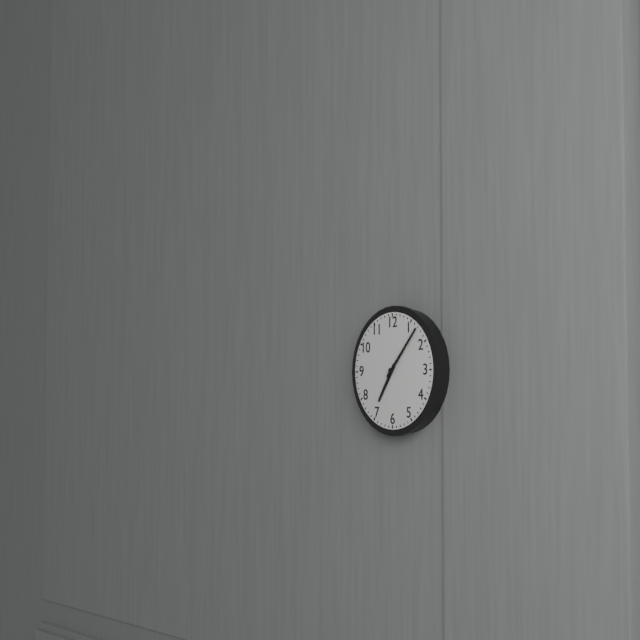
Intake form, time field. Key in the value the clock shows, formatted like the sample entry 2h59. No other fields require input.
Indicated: 7h07
